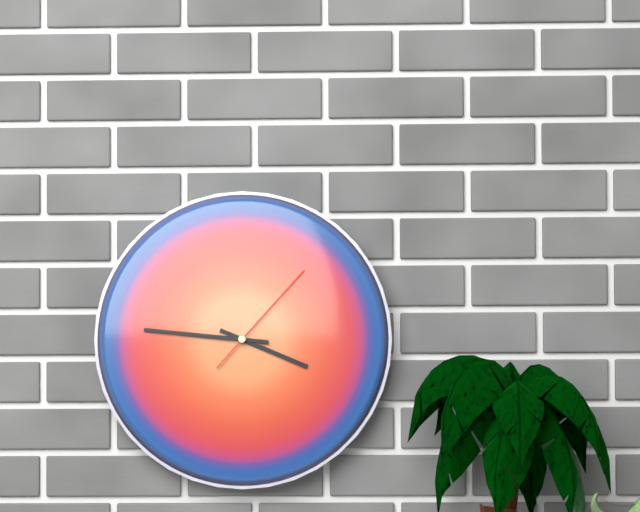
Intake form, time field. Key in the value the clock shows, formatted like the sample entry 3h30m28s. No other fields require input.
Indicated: 3h46m07s
